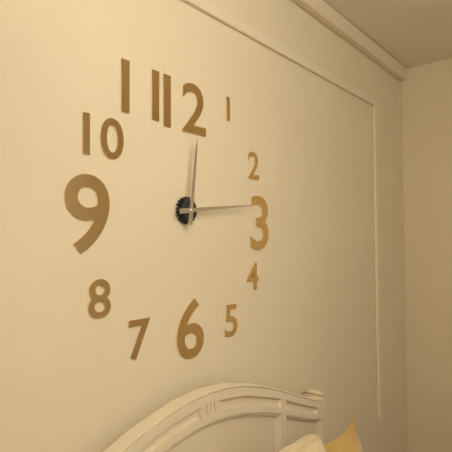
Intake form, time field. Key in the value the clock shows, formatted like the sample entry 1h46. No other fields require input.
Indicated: 12h14
